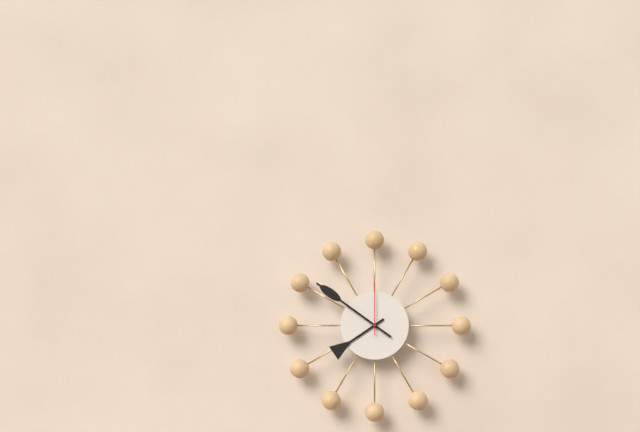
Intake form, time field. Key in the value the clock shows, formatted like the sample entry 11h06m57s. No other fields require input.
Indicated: 7h51m00s
